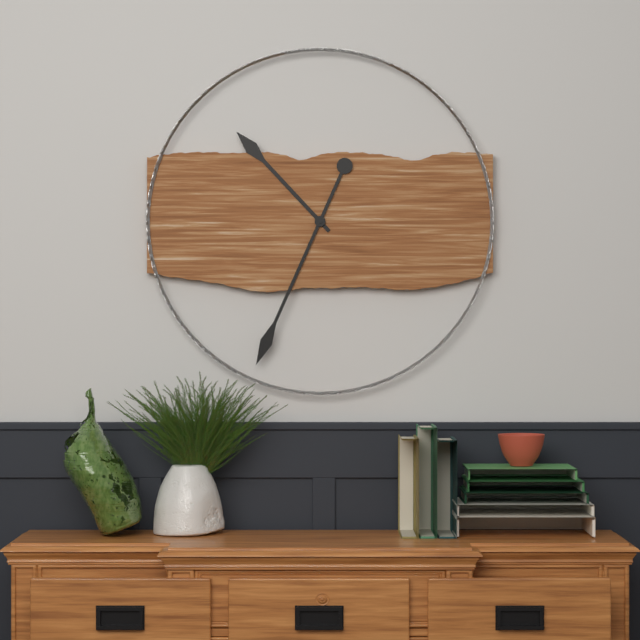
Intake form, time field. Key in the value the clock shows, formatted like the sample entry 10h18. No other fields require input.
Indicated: 10h34
